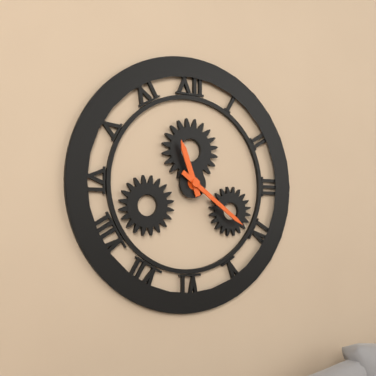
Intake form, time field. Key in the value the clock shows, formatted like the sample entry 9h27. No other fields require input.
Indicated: 11h21
